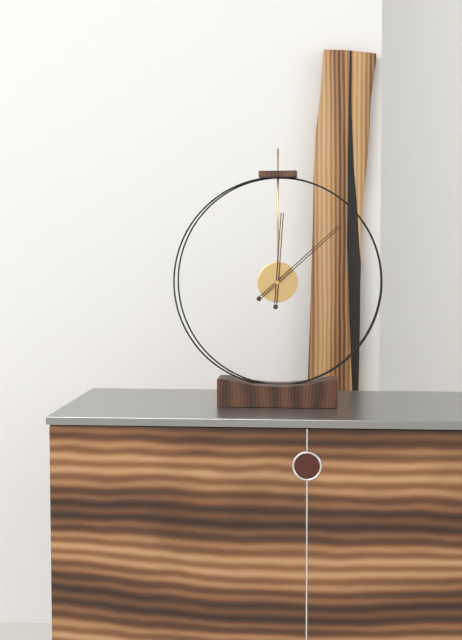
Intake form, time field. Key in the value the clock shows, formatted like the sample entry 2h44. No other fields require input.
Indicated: 12h08
